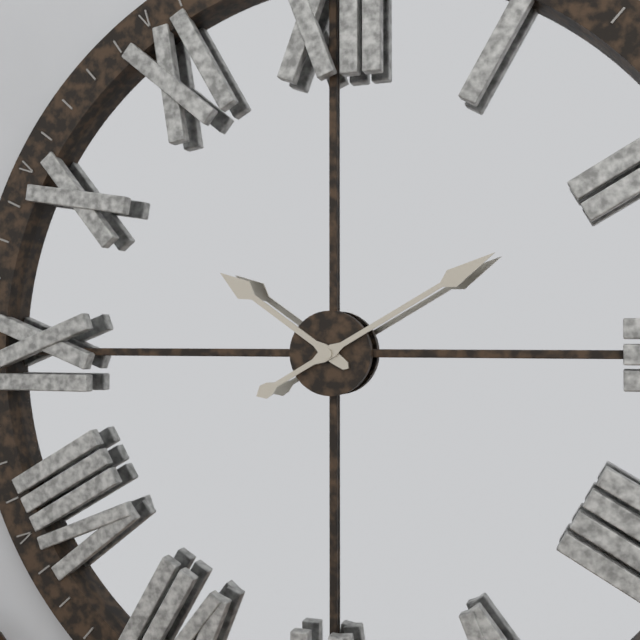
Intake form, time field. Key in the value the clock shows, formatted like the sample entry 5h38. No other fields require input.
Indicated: 10h10
